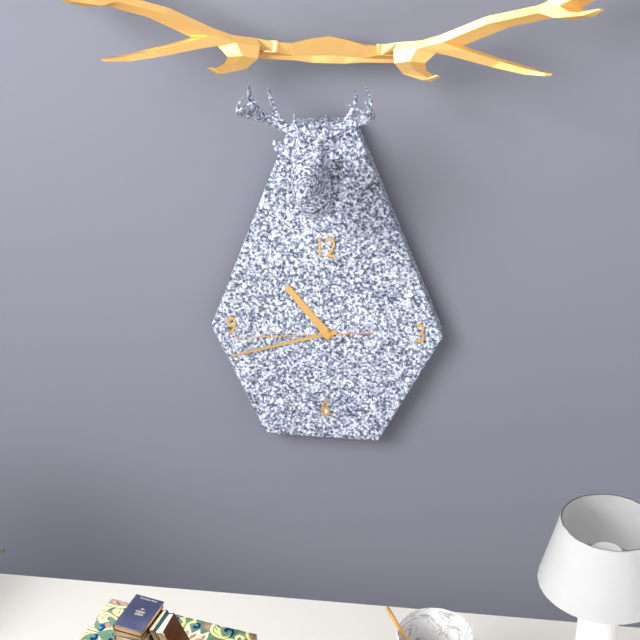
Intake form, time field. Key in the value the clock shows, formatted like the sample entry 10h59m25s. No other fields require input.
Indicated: 10h42m44s
